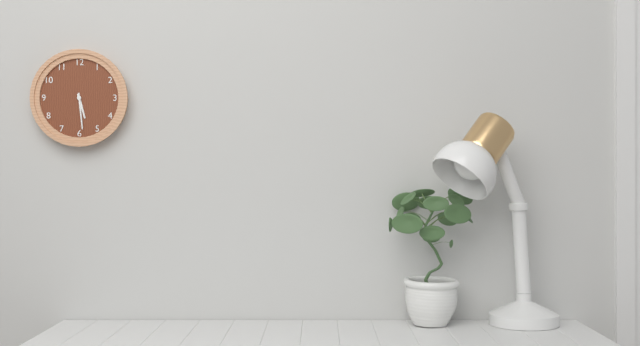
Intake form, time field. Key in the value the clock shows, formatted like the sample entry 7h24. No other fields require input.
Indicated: 5h29
